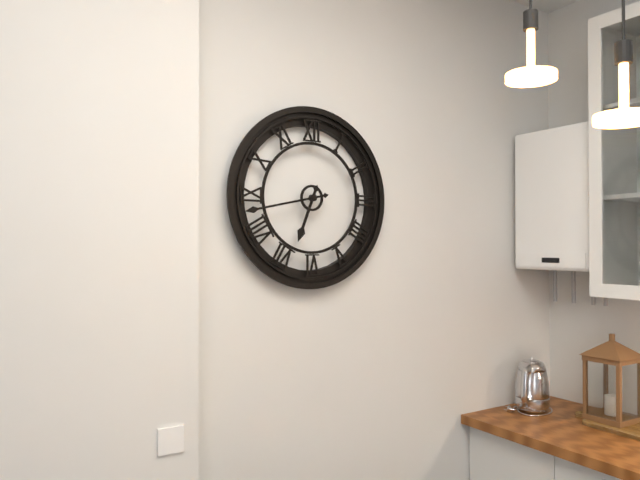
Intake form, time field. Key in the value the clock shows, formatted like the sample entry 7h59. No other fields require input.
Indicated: 6h43
